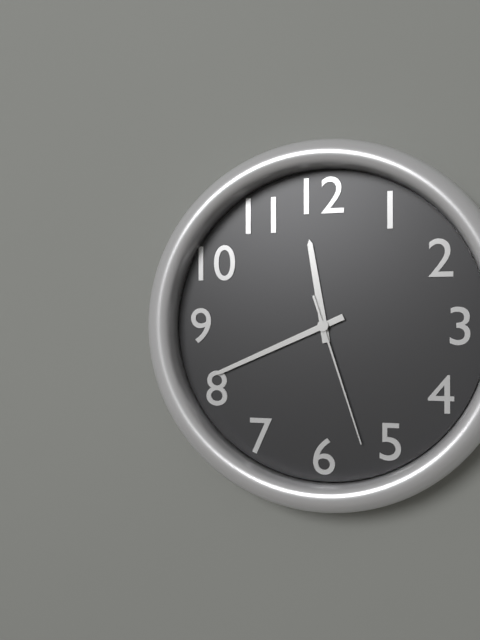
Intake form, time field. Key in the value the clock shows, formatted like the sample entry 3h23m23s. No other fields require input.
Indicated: 11h41m27s
